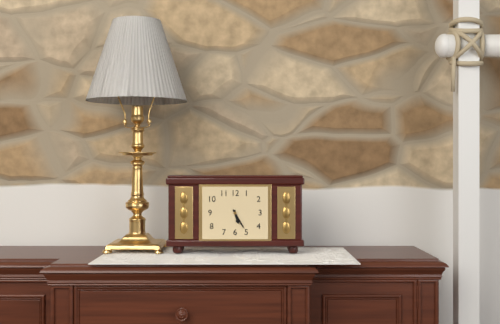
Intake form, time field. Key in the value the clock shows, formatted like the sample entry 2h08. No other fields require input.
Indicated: 5h25
